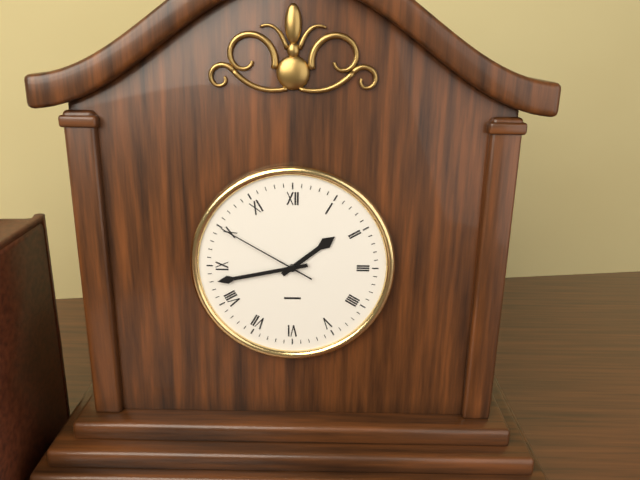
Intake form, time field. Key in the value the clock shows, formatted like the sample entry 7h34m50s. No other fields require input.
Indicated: 1h43m50s
